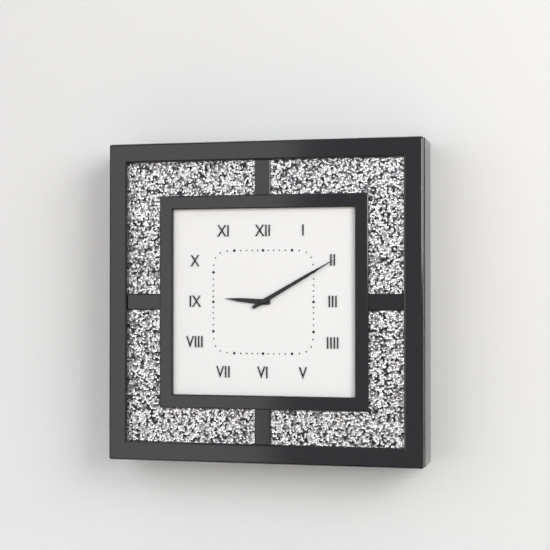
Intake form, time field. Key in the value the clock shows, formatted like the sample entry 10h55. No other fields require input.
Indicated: 9h10
